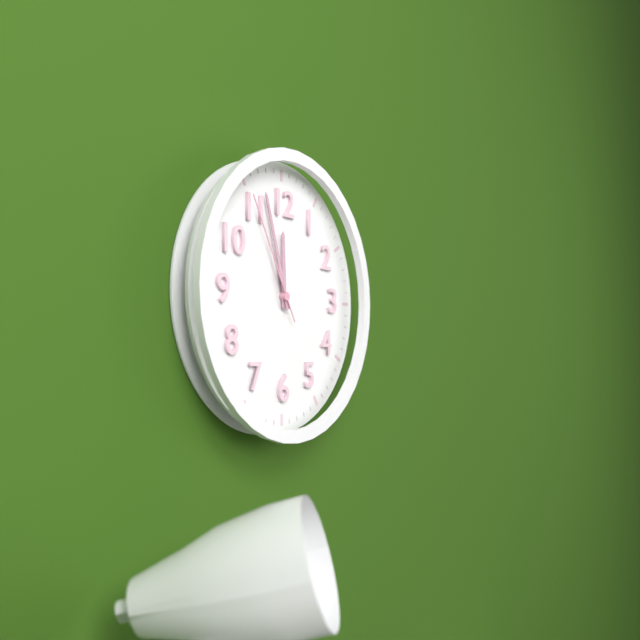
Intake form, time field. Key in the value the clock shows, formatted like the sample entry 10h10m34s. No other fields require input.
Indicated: 11h57m55s
